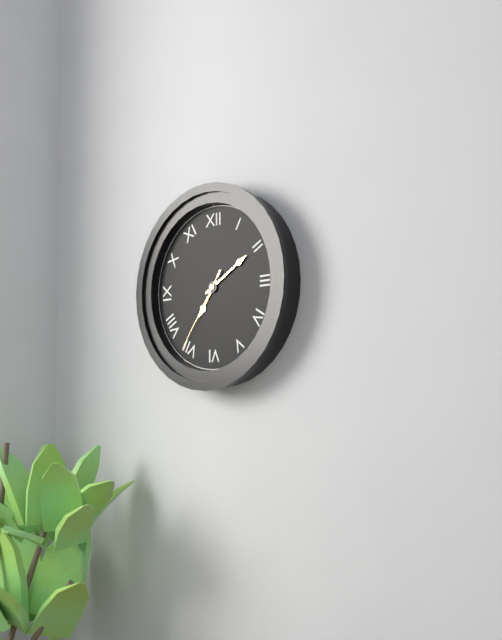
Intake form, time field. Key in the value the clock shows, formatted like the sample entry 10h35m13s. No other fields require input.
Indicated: 7h10m36s
